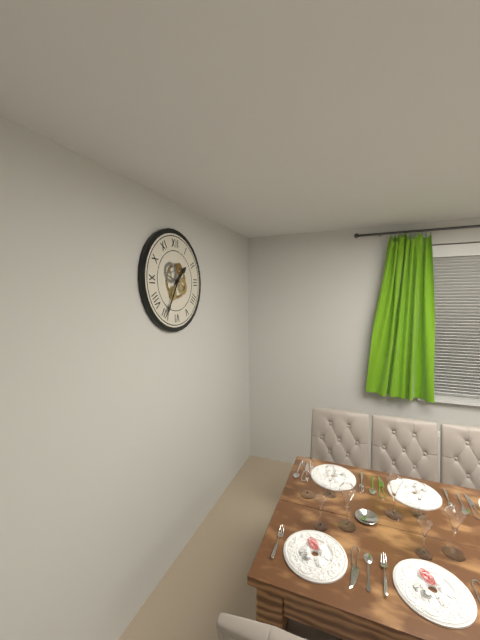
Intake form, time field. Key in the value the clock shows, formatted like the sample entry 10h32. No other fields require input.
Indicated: 1h35
